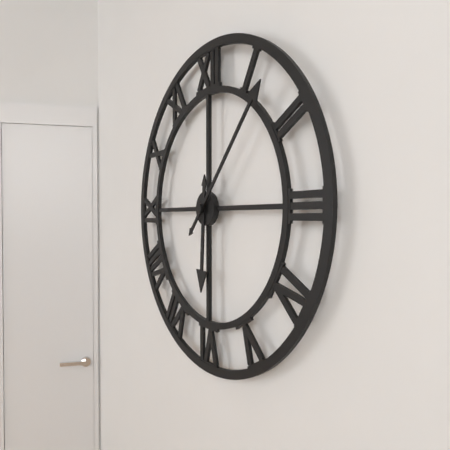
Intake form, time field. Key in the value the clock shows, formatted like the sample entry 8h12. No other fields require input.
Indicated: 6h07
